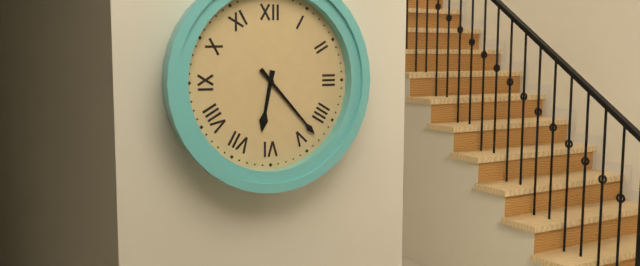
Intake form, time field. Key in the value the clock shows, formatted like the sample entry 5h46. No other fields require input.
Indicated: 6h23
